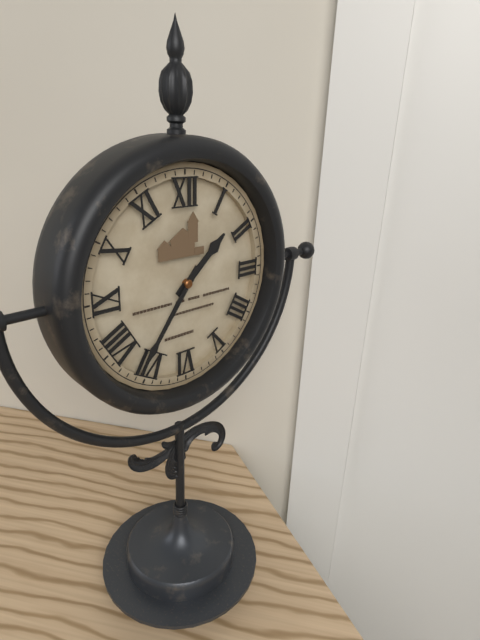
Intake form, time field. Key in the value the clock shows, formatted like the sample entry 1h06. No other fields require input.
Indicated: 1h36
